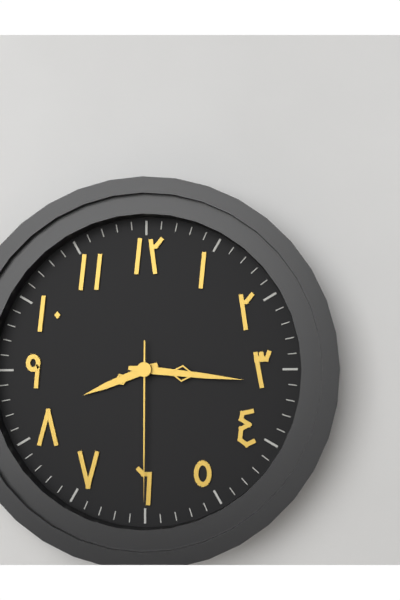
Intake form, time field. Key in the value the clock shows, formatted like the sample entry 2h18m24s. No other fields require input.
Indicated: 8h16m30s
